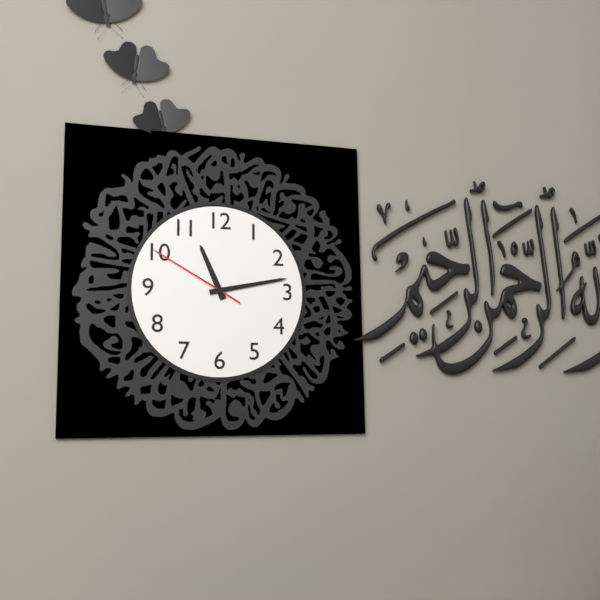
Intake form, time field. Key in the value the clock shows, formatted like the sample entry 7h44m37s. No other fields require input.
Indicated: 11h13m50s
